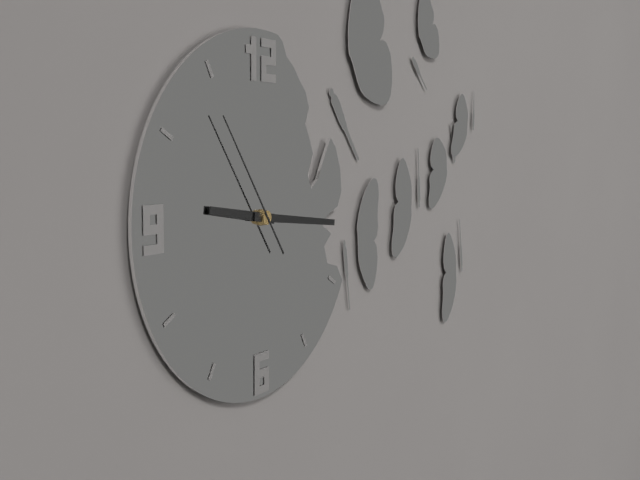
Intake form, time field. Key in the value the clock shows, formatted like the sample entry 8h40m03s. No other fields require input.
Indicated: 9h16m54s
